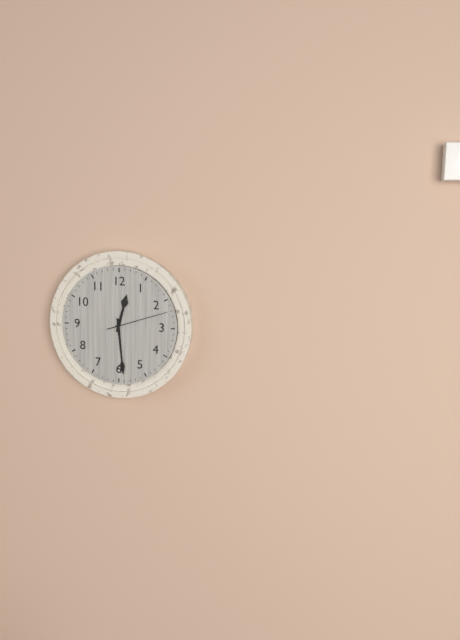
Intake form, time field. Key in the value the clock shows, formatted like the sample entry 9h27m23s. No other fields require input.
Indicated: 12h29m12s
